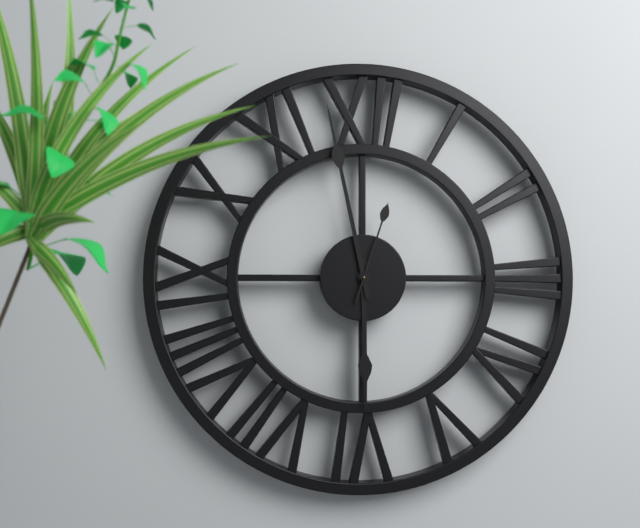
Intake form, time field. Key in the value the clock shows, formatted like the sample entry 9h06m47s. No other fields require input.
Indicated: 5h58m03s
